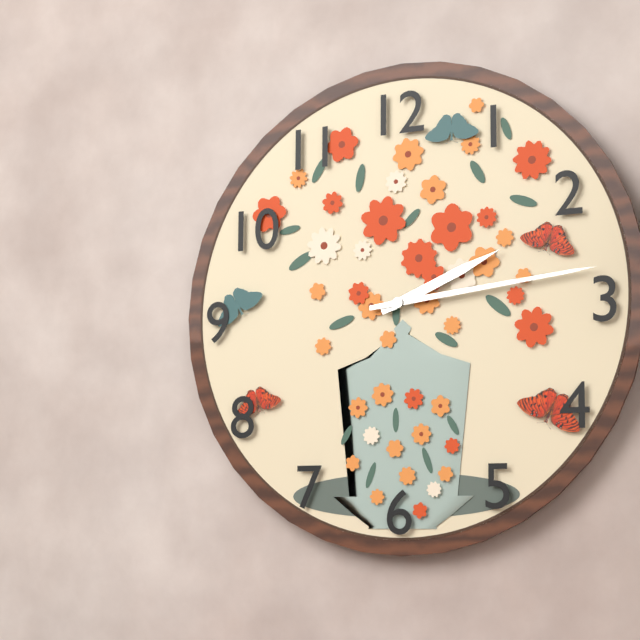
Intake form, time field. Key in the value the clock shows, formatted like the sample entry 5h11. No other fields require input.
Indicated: 2h14
